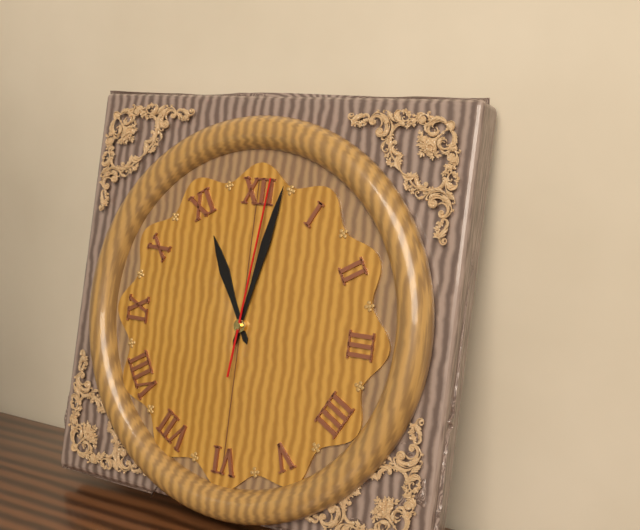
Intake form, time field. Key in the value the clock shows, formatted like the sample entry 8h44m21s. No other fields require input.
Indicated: 11h02m01s
